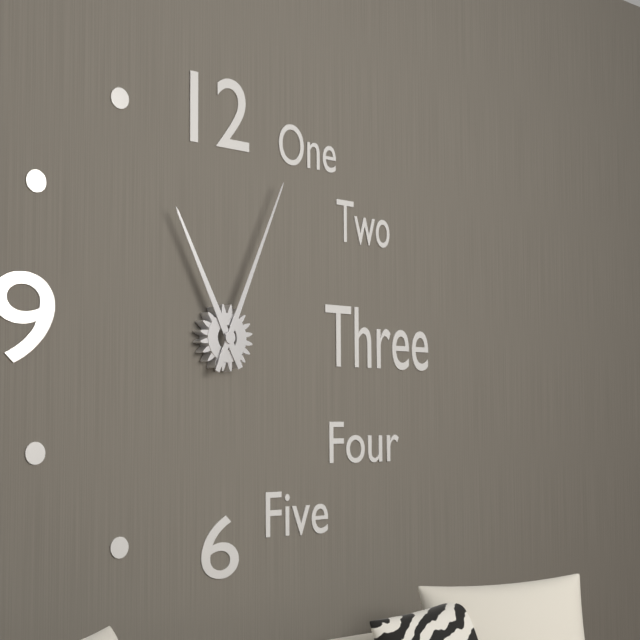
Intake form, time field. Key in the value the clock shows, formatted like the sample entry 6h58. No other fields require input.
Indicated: 11h04
